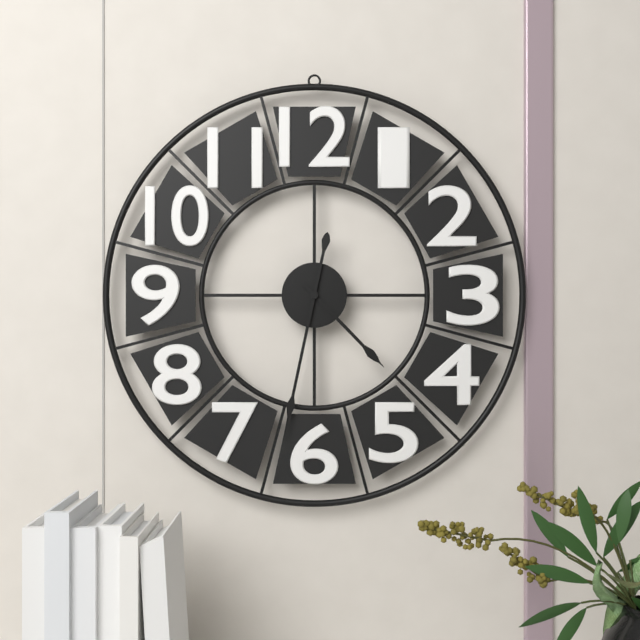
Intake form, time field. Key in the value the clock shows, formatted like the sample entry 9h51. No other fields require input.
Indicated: 4h32
